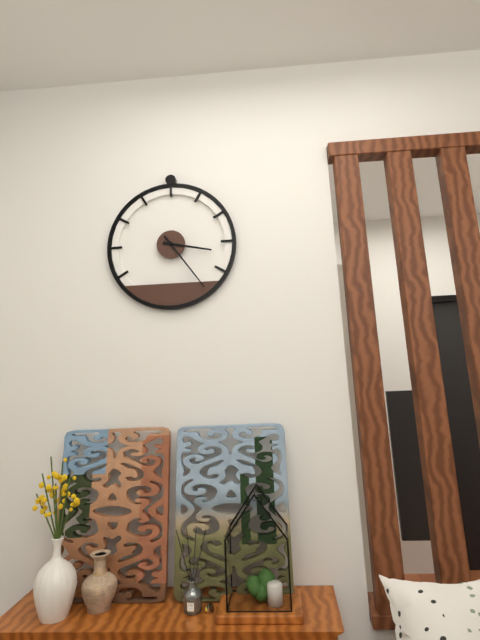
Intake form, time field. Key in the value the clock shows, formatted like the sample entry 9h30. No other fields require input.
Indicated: 3h24
